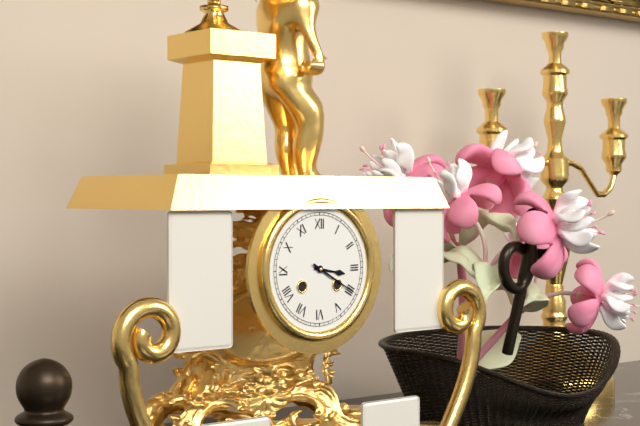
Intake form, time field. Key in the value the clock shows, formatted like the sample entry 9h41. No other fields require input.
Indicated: 3h20
